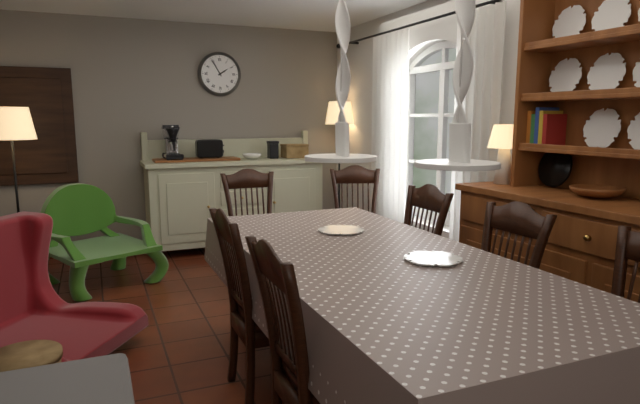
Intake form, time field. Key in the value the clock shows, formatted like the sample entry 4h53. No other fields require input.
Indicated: 1h55
